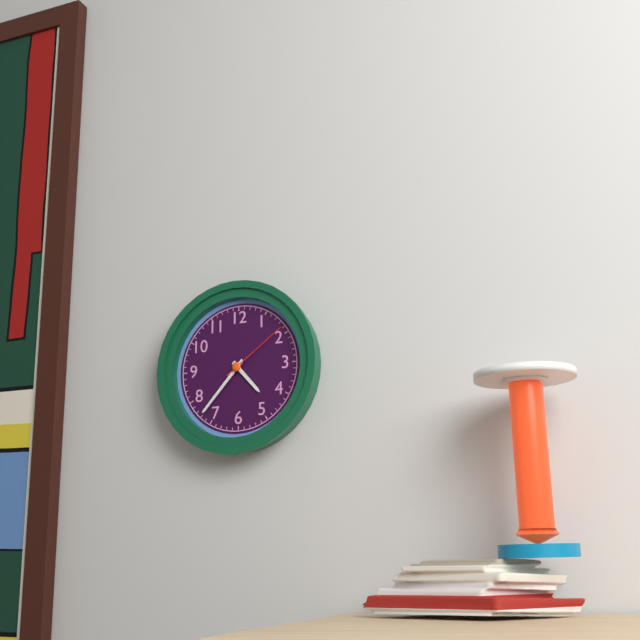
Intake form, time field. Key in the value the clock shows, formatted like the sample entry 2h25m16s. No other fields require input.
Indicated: 4h37m09s
